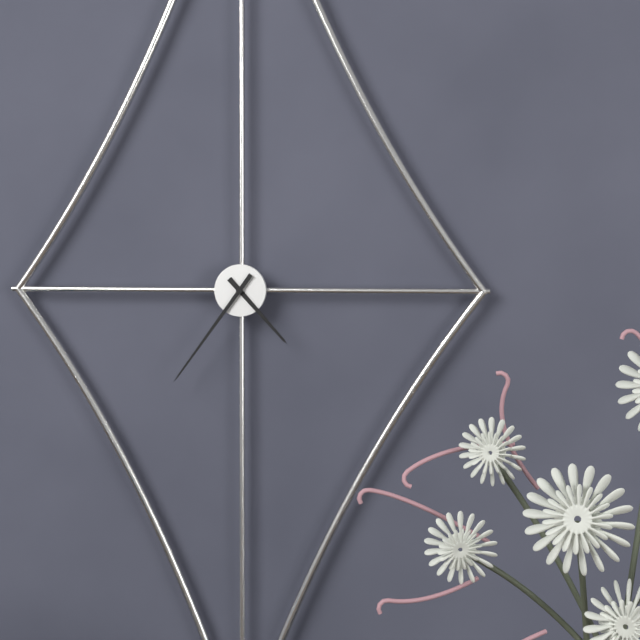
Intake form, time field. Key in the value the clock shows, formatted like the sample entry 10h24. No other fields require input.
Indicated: 4h36
